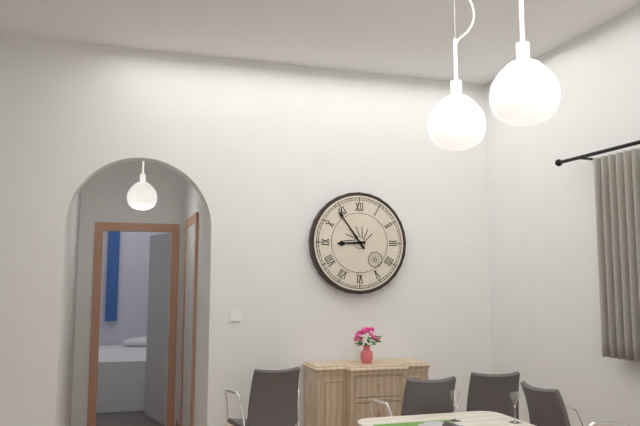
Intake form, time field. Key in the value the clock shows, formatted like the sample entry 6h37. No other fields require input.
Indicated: 8h54
